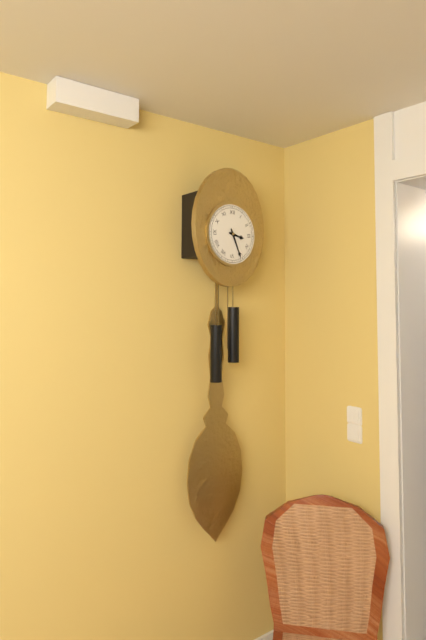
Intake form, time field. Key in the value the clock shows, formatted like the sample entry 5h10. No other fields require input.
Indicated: 3h26
